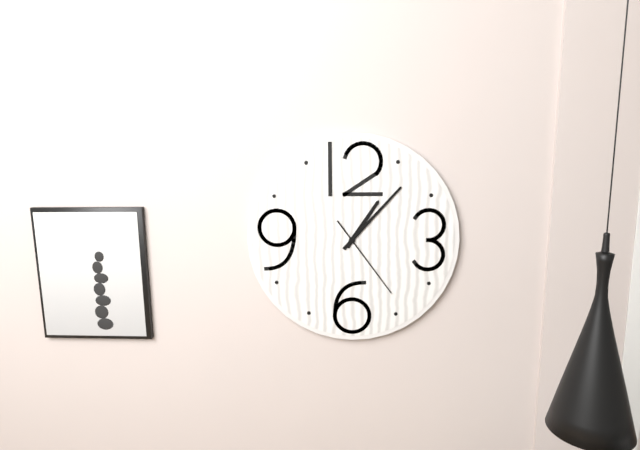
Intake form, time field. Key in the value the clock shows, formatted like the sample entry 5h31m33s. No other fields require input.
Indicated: 1h07m24s
